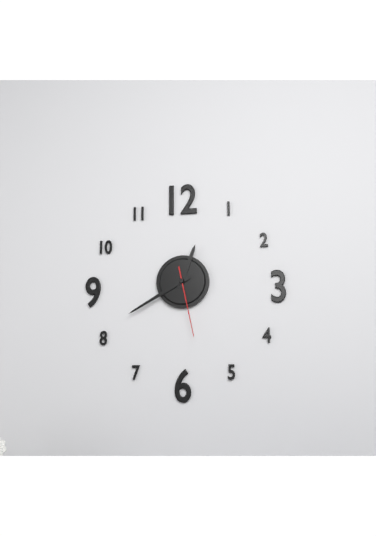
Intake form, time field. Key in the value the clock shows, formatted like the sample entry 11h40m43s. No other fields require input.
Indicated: 12h40m28s
